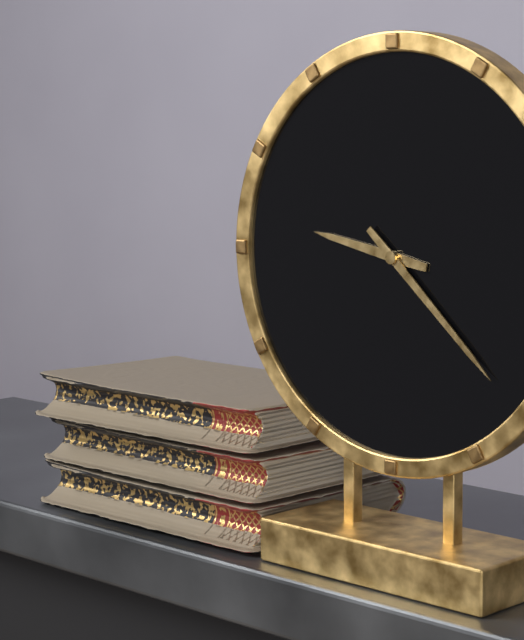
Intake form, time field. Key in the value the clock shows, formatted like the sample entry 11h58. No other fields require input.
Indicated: 9h22
